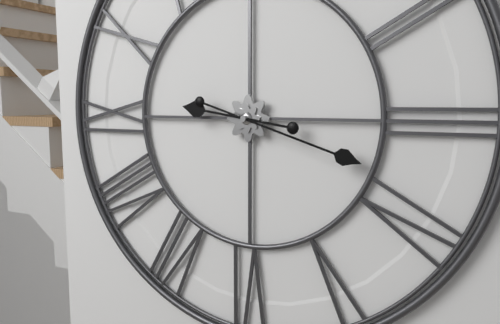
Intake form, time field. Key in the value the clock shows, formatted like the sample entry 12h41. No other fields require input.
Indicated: 9h18
